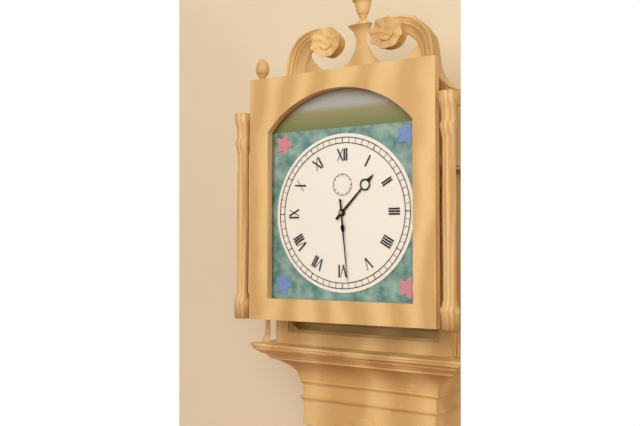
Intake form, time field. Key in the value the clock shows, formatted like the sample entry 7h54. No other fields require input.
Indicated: 1h29
